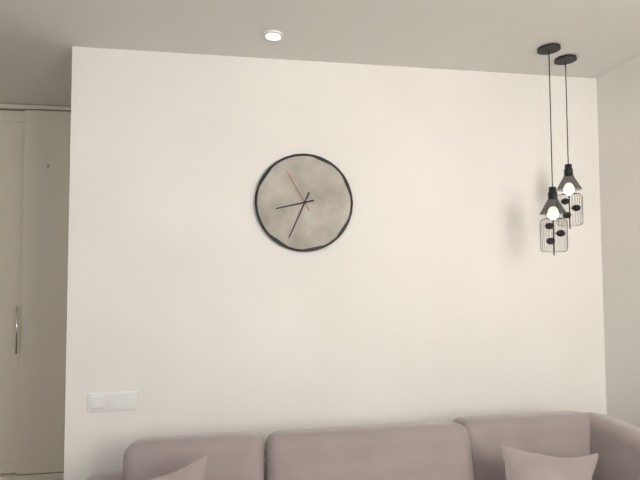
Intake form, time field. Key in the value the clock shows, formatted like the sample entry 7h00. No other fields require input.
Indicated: 8h34
